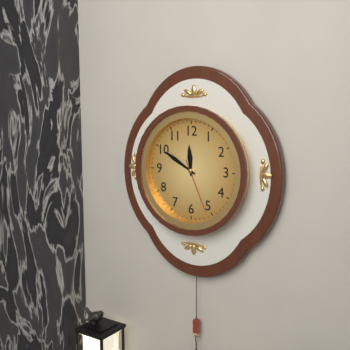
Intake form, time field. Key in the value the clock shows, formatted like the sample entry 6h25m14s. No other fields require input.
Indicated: 11h50m26s
